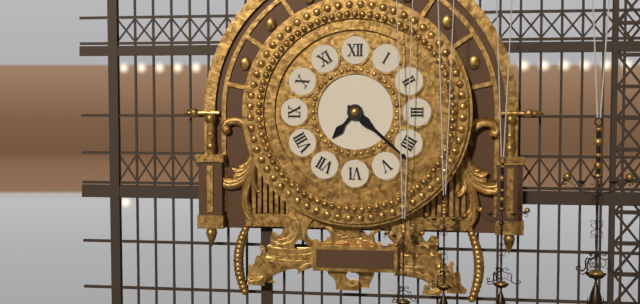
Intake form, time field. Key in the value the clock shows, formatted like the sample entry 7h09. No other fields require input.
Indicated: 7h22
